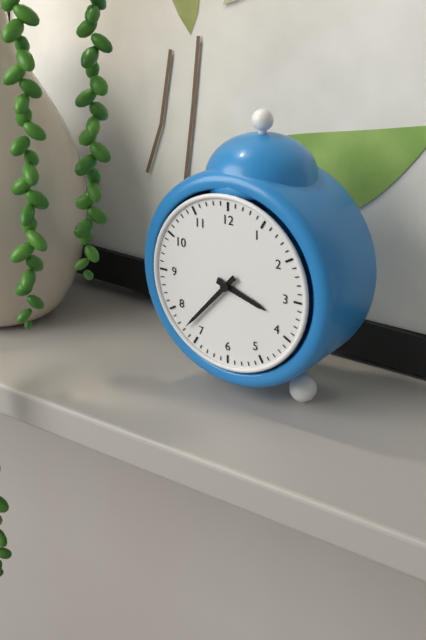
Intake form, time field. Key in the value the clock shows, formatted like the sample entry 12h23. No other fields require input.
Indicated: 3h37
